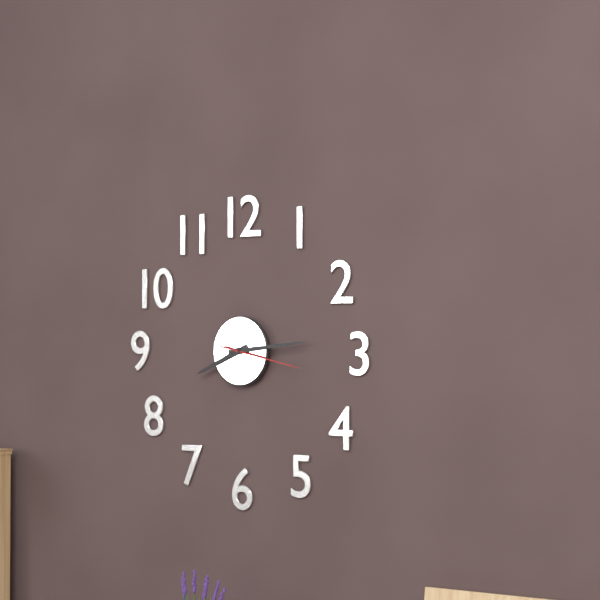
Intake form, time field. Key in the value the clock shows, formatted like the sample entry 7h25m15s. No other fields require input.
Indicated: 8h14m17s
